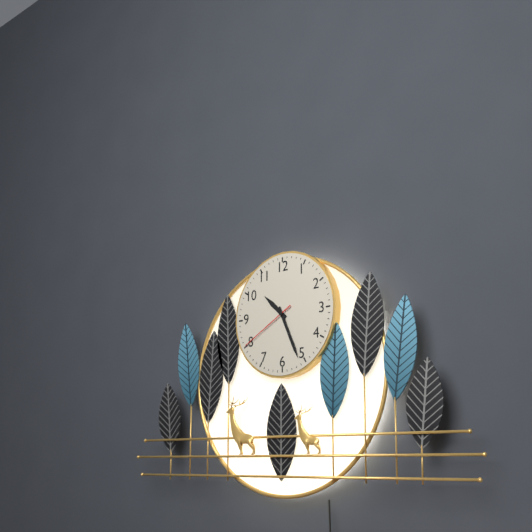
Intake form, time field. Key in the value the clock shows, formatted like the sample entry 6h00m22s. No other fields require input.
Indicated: 10h26m40s
